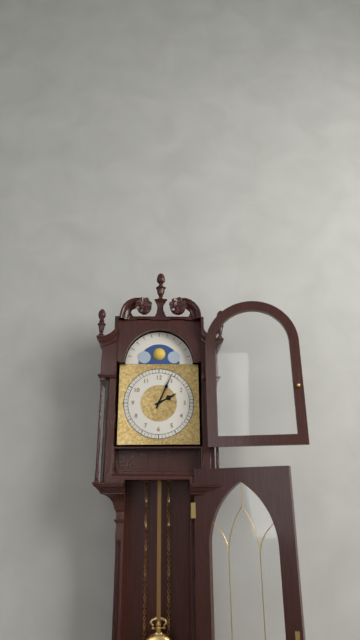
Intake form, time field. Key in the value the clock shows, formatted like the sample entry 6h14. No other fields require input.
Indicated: 2h04
